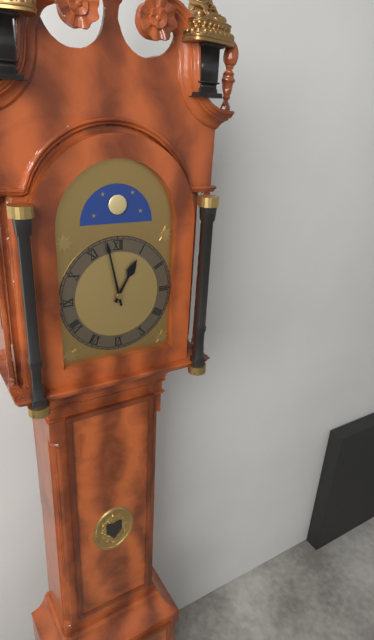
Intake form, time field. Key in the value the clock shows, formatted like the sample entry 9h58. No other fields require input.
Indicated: 12h58
